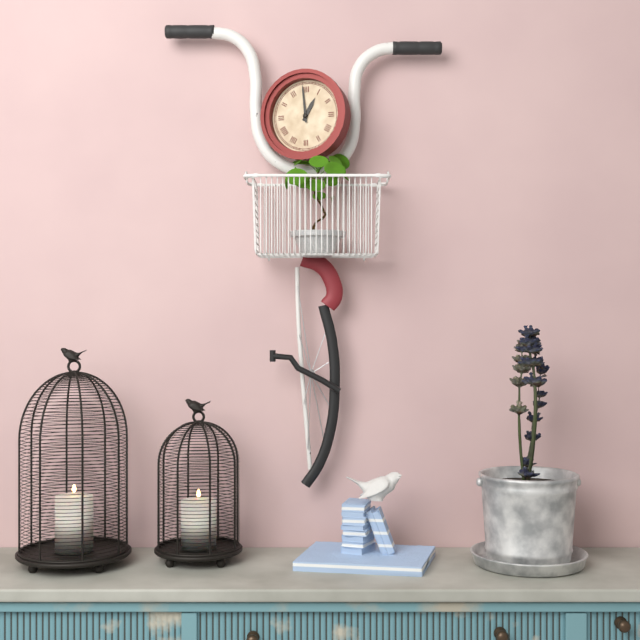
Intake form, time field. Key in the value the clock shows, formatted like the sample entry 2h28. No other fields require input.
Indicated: 12h59
